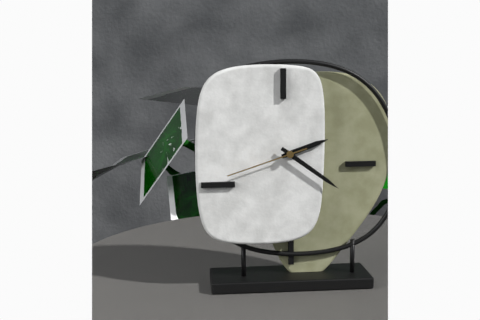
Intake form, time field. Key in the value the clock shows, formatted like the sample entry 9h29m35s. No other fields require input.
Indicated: 2h21m42s
